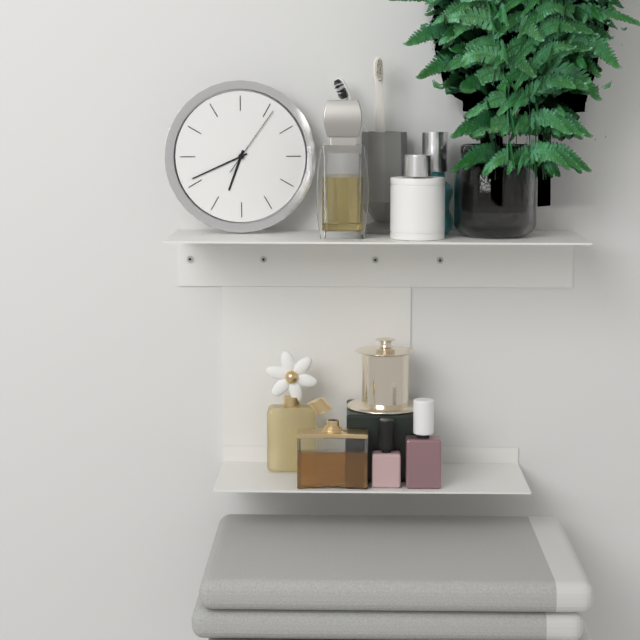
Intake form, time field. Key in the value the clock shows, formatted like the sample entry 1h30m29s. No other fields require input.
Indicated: 6h41m06s
